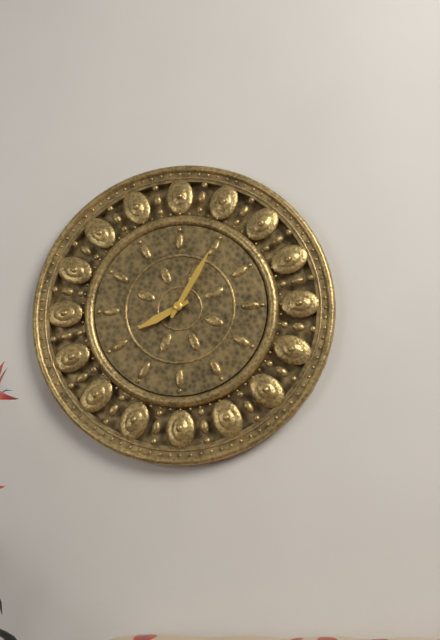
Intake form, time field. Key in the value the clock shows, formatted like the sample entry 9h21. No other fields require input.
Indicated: 8h05
